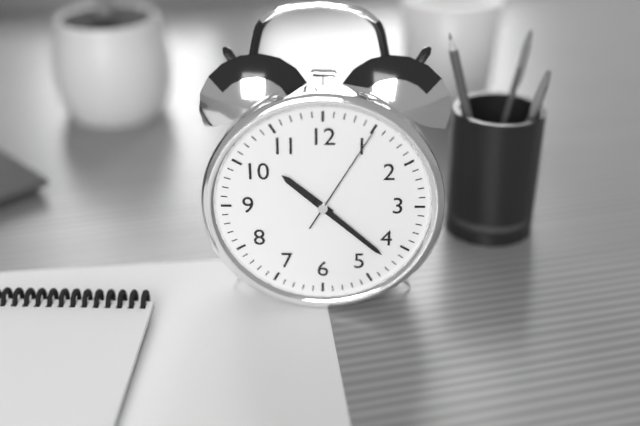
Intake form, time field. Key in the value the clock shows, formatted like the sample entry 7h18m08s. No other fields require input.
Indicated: 10h22m05s
